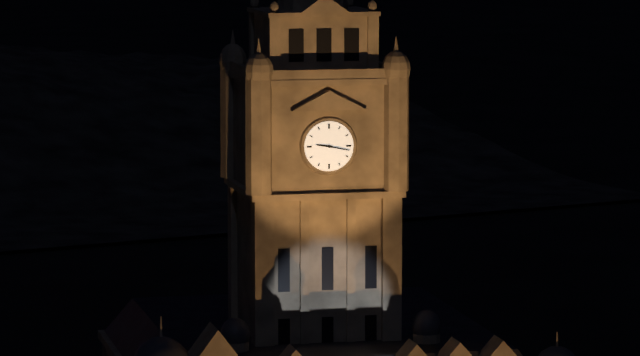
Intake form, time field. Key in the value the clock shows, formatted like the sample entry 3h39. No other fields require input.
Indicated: 9h17
